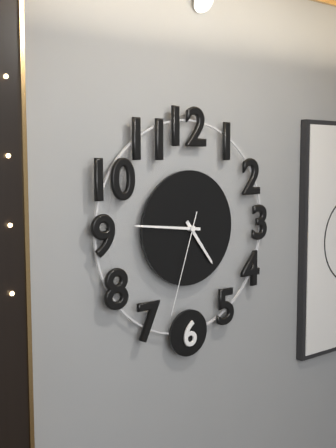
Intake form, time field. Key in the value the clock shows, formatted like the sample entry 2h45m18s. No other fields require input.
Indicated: 4h46m33s
